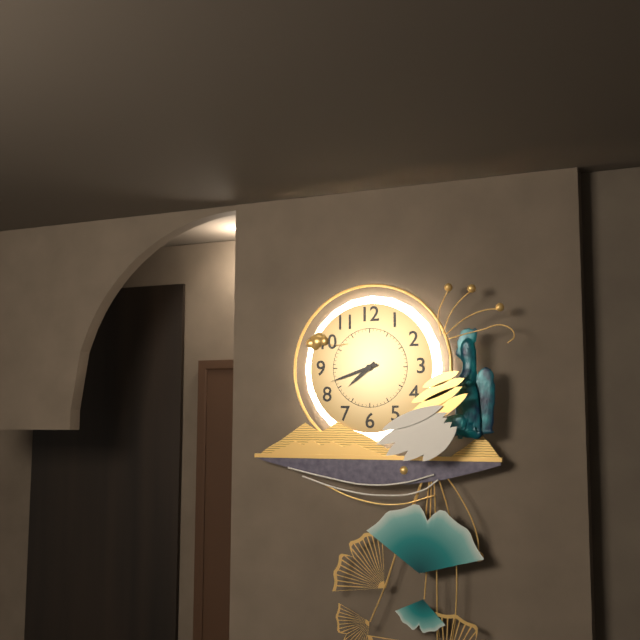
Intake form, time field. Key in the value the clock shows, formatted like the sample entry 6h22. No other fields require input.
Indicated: 7h42
